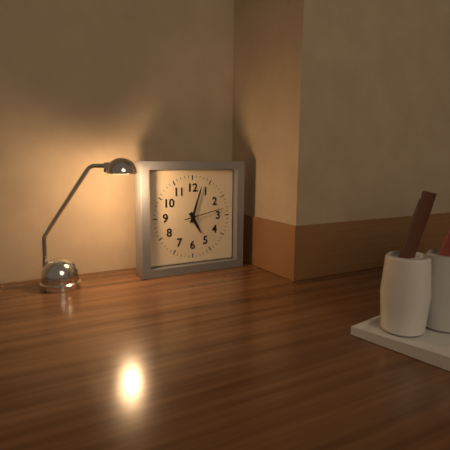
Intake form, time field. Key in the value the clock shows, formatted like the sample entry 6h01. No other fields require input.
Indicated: 5h03
